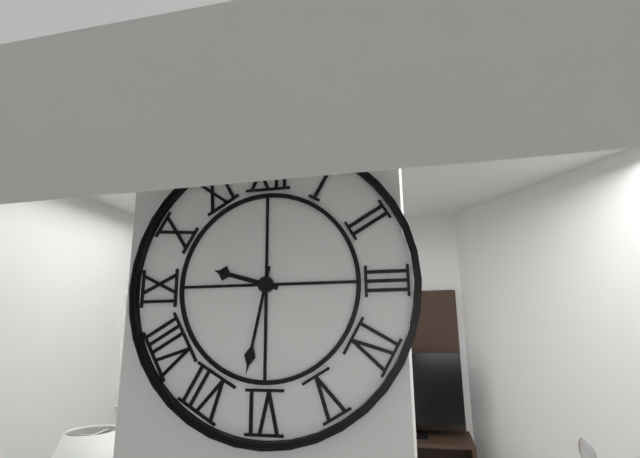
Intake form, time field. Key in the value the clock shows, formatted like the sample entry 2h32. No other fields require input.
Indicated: 9h32
